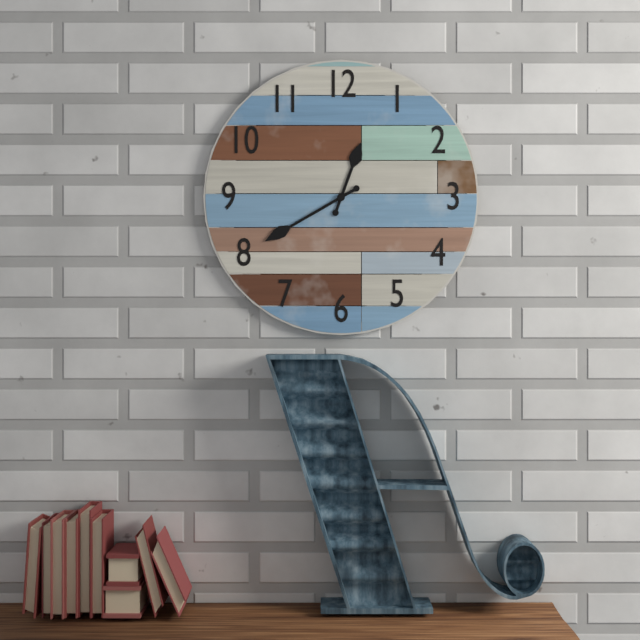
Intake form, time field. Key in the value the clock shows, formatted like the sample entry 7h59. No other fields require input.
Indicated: 12h40
